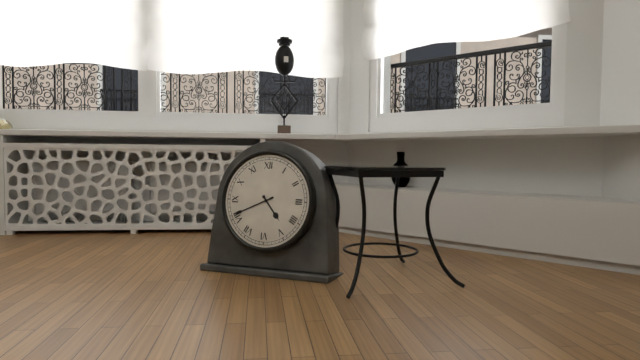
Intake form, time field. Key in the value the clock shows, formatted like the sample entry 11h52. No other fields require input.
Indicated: 4h41
